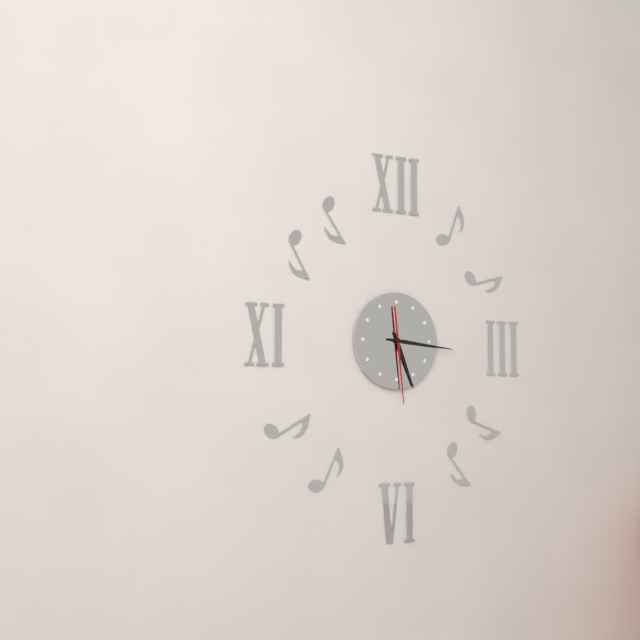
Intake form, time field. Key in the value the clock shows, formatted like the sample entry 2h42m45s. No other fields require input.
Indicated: 5h16m29s
